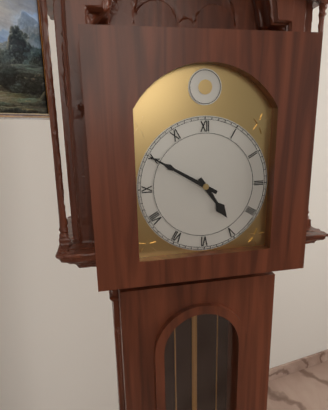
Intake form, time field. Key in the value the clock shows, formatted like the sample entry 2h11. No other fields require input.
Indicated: 4h50
